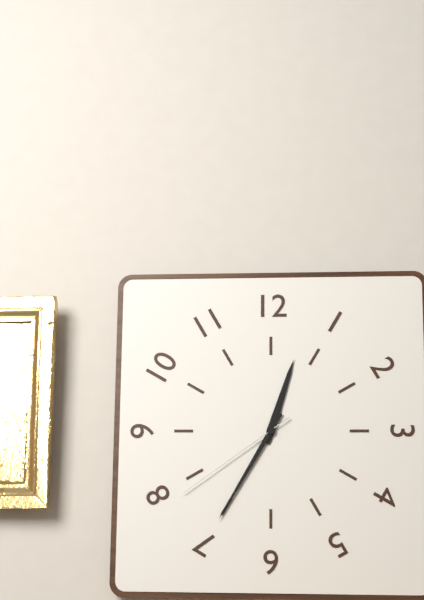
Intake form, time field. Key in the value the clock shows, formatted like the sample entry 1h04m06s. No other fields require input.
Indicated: 12h35m39s
